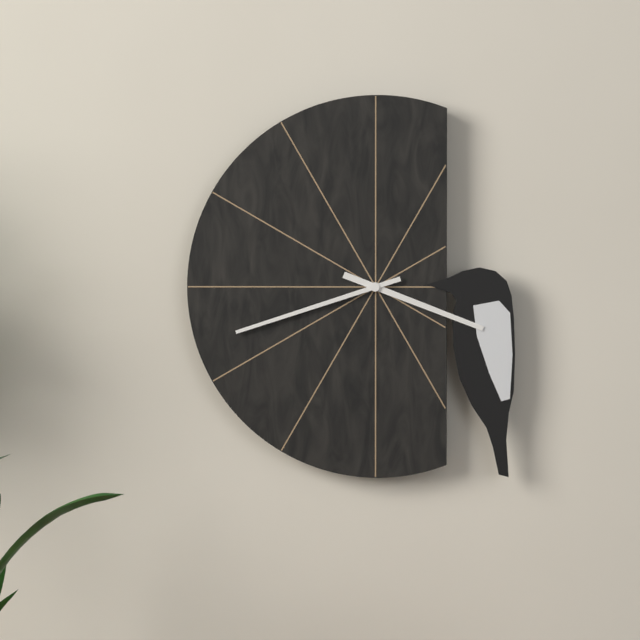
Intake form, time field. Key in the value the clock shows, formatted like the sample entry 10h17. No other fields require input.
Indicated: 3h42
